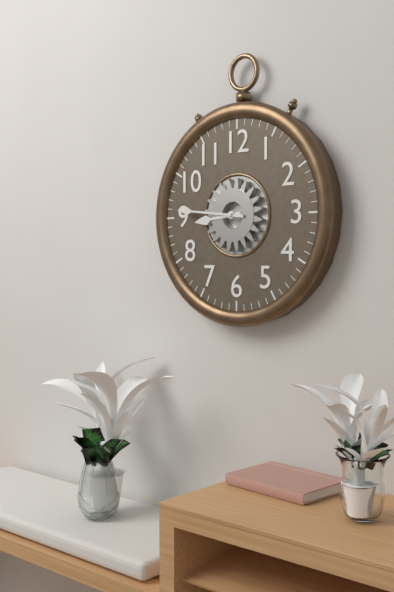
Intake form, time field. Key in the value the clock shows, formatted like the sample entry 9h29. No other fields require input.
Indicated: 8h46
